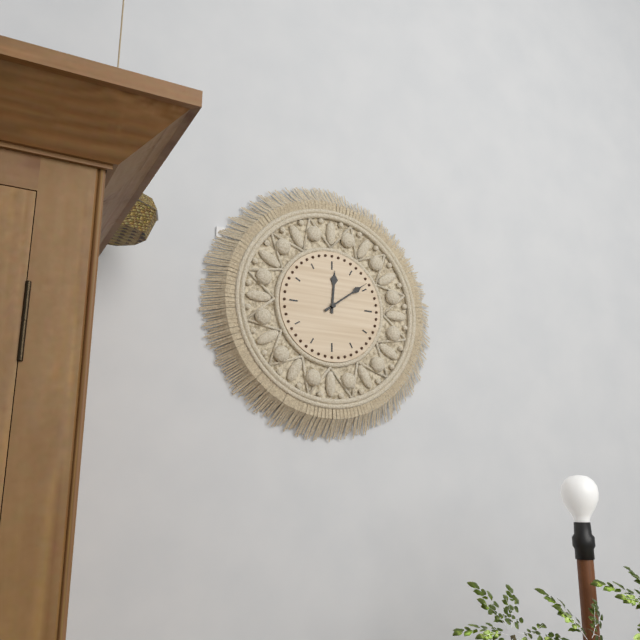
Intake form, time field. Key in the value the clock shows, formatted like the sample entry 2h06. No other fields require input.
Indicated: 12h09
